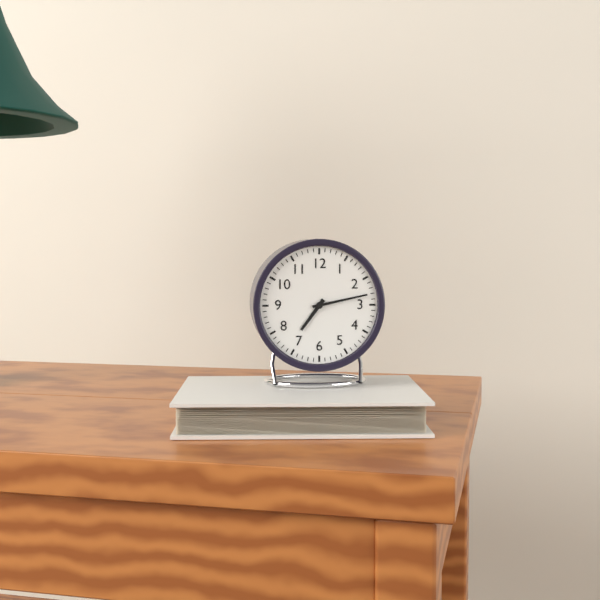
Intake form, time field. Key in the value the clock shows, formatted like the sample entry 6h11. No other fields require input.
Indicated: 7h13
